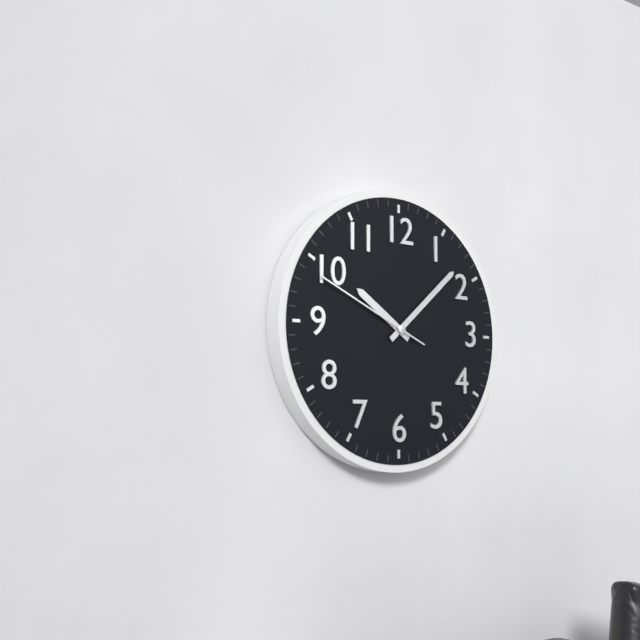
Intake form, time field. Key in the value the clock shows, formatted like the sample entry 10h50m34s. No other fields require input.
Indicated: 10h08m49s
